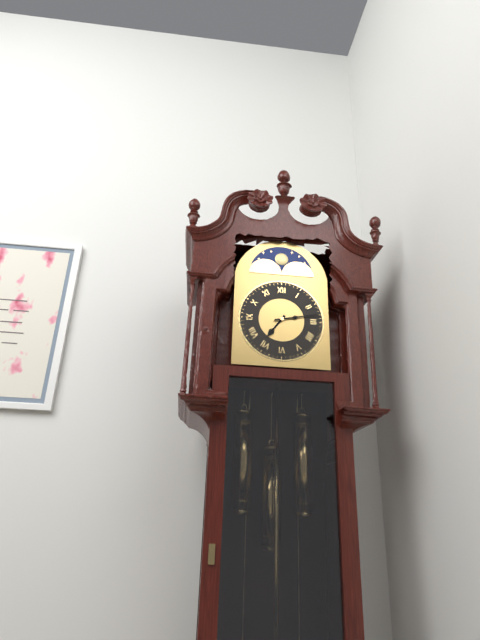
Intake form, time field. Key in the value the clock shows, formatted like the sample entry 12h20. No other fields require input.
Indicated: 7h13
